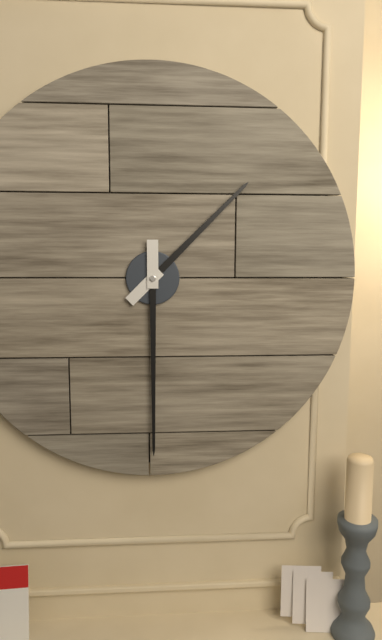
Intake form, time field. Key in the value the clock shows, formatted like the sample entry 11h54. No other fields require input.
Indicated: 1h30
